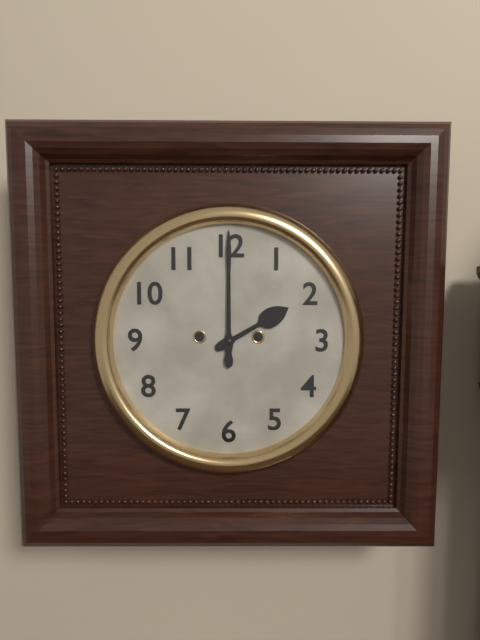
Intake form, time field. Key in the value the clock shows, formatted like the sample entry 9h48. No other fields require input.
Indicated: 2h00
